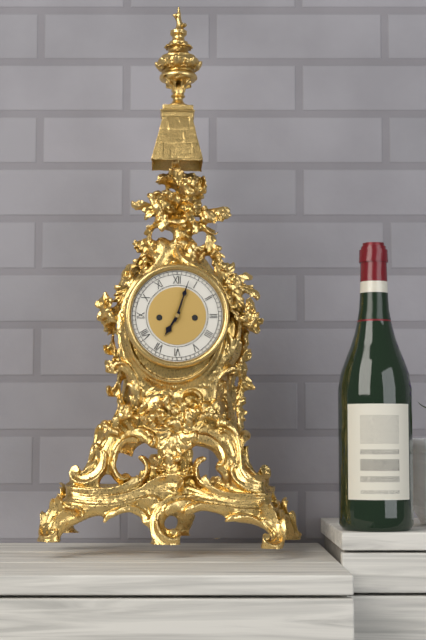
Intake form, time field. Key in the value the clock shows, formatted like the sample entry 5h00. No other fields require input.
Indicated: 7h03
